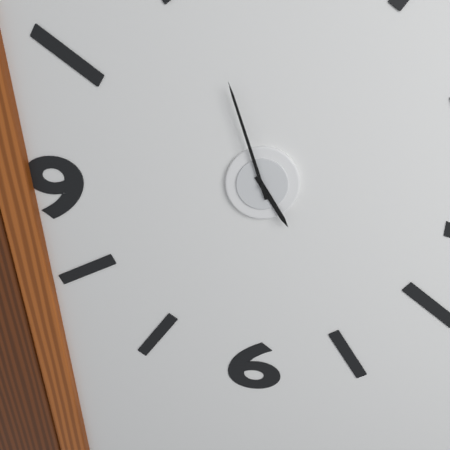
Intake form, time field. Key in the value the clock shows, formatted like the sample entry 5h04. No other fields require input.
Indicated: 4h57
